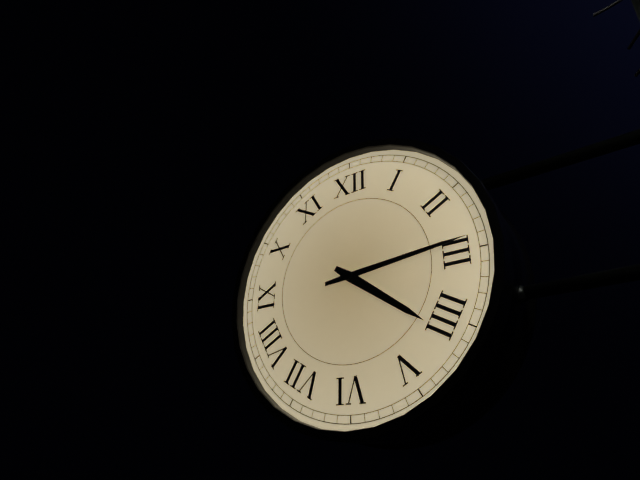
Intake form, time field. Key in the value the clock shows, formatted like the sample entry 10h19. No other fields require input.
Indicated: 4h14
